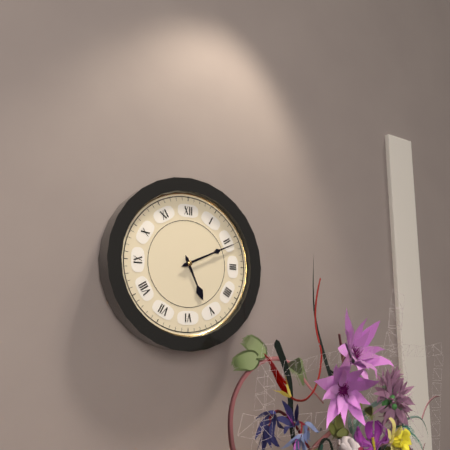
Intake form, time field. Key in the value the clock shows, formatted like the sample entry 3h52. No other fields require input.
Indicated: 5h11
